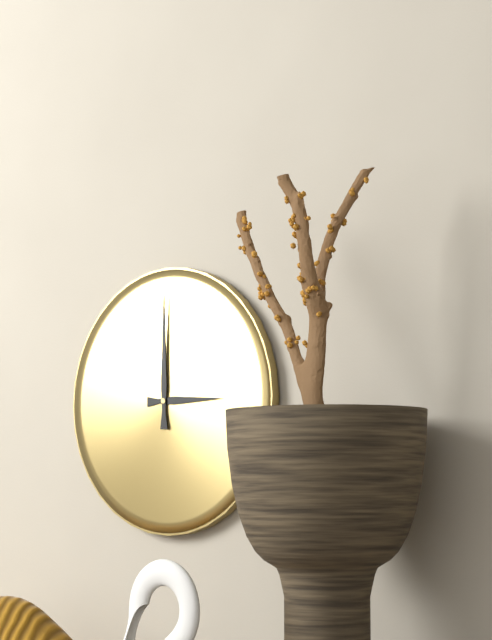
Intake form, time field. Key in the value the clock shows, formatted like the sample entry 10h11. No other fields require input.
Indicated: 3h00
